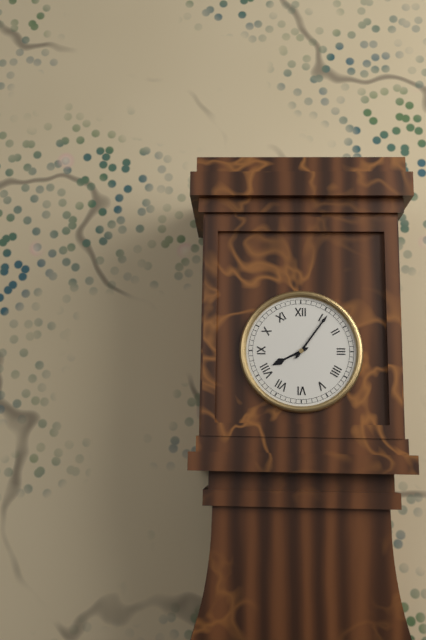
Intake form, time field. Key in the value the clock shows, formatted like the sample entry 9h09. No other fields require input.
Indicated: 8h06
